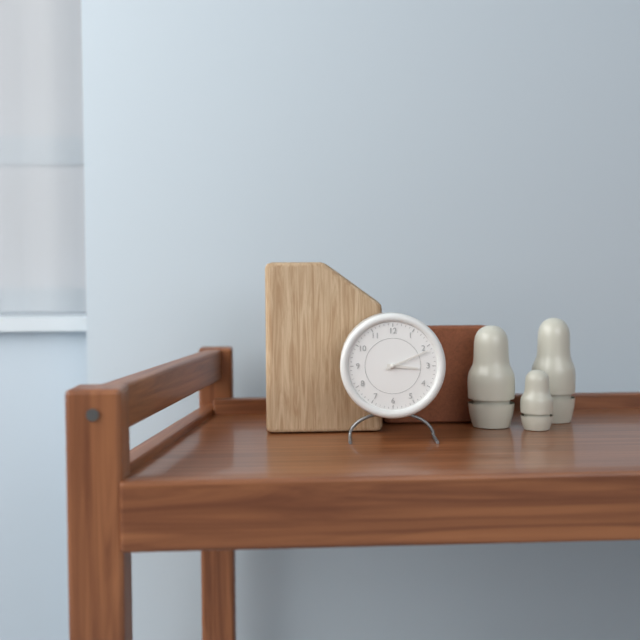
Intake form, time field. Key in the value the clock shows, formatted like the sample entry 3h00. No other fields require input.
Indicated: 3h11
